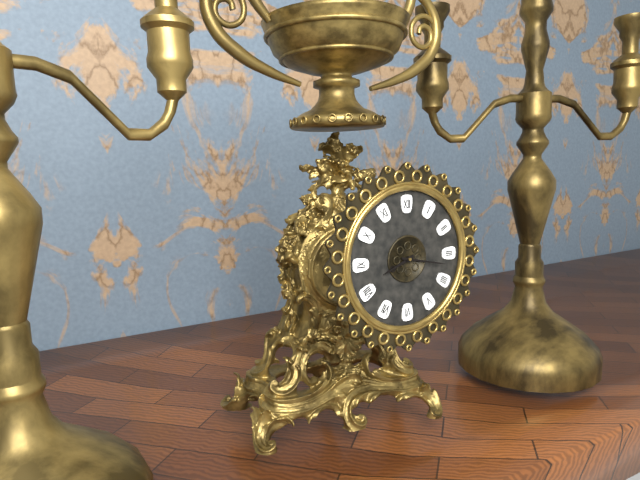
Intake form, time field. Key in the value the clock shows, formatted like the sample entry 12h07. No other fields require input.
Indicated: 8h17
